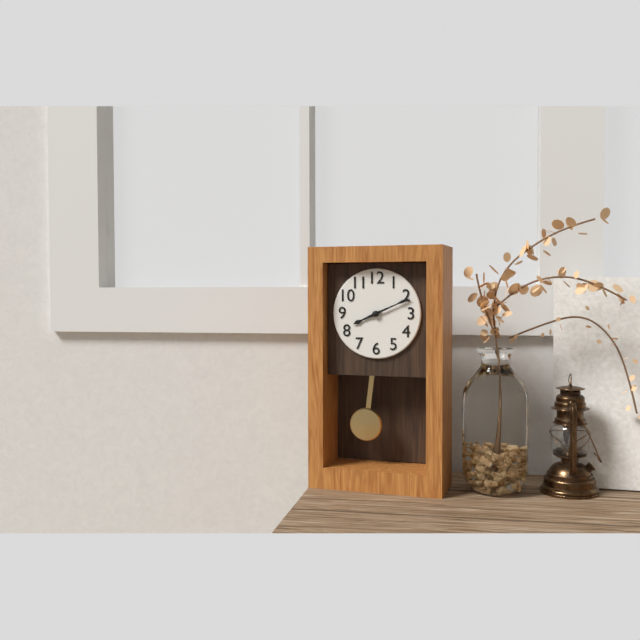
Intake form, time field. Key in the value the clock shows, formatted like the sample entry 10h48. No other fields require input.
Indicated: 8h11
